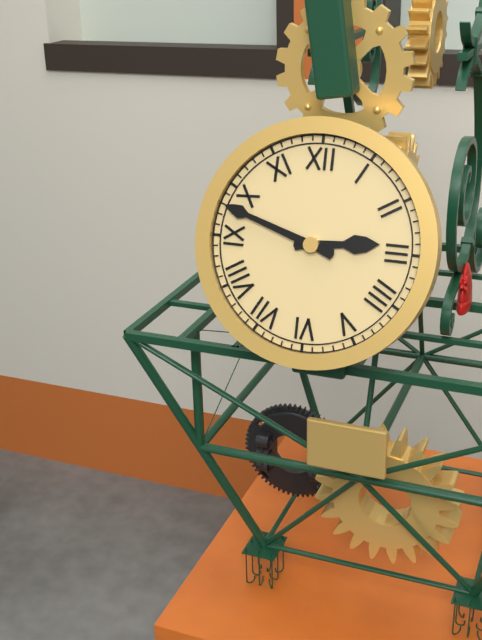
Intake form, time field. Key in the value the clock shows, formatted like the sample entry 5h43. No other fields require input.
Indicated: 2h48
